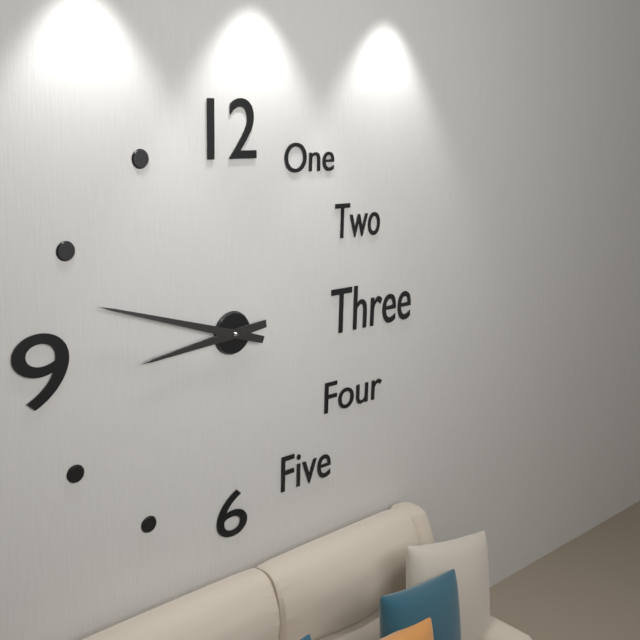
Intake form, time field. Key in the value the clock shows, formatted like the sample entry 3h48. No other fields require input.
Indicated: 8h48
